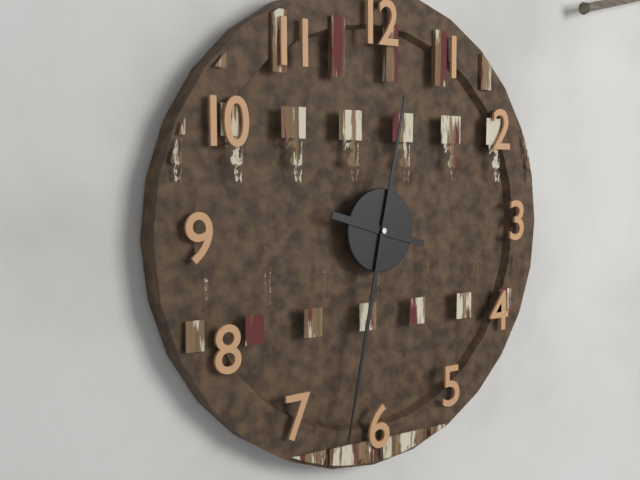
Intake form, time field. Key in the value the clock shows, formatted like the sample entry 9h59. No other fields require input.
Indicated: 9h32
